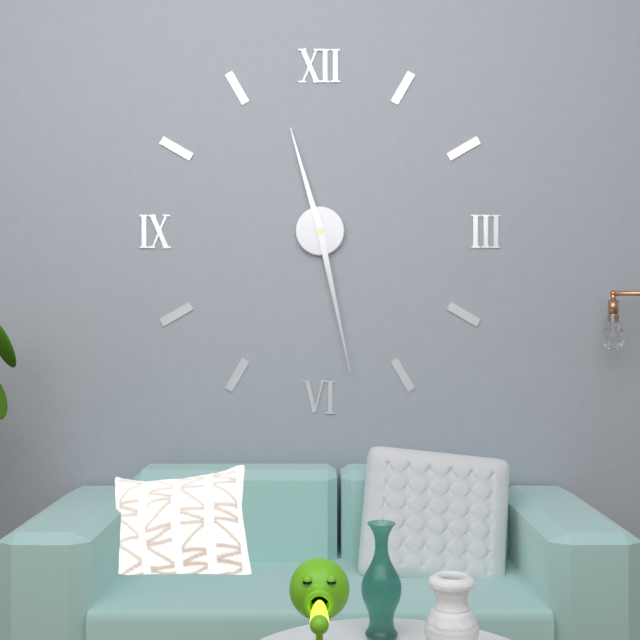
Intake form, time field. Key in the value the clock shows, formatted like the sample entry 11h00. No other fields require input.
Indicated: 11h28
